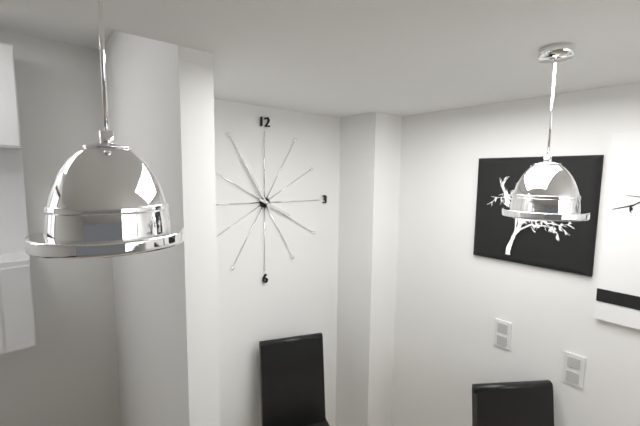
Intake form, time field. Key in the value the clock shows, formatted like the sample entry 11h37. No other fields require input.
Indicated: 3h55
